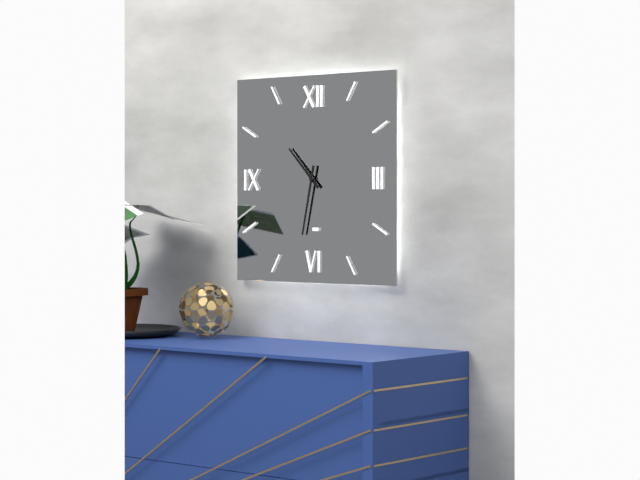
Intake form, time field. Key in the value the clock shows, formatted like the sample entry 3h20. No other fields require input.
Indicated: 10h32
